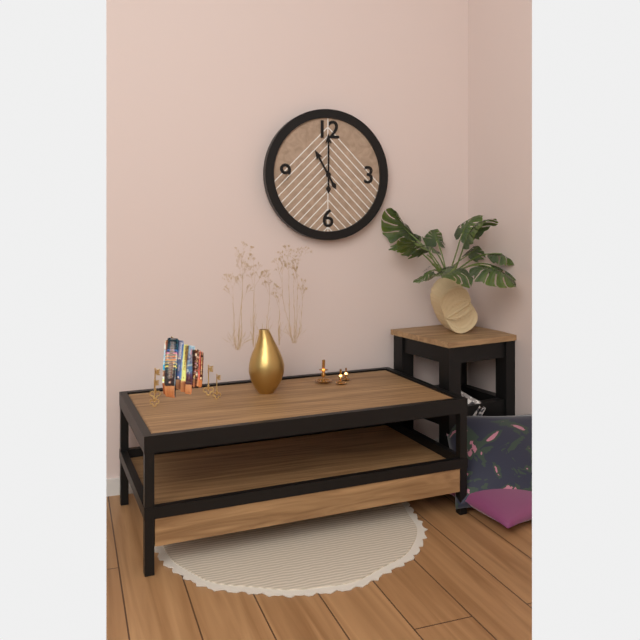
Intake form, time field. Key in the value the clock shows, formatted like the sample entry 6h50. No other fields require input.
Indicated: 11h00
